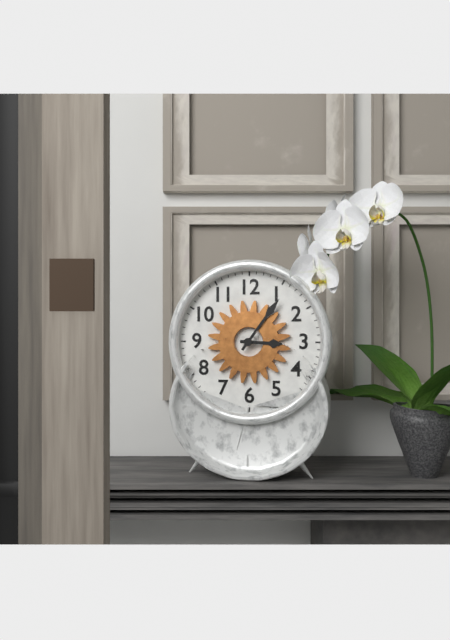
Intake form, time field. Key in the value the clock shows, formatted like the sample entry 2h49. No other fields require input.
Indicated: 3h06
